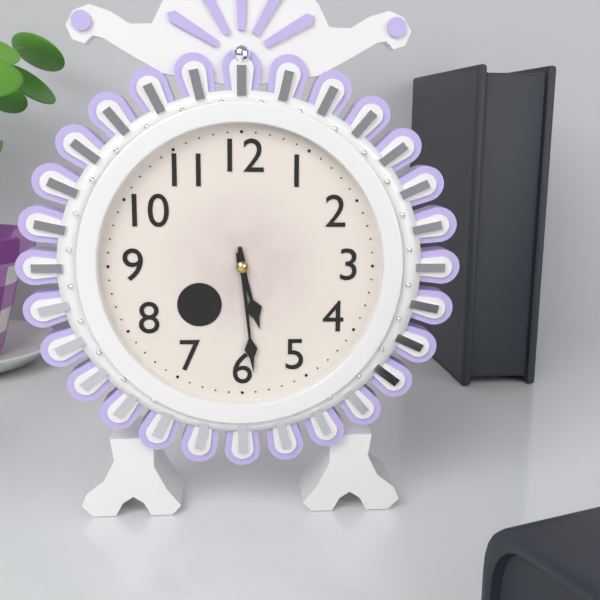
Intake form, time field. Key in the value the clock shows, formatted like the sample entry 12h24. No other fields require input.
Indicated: 5h29
